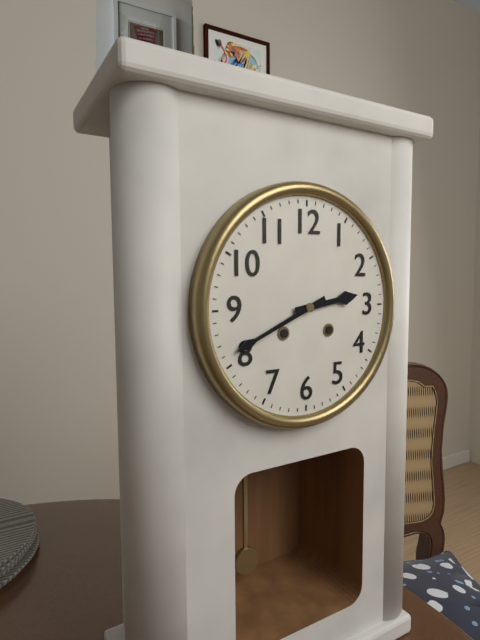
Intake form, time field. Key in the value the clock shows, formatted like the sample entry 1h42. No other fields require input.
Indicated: 2h41
